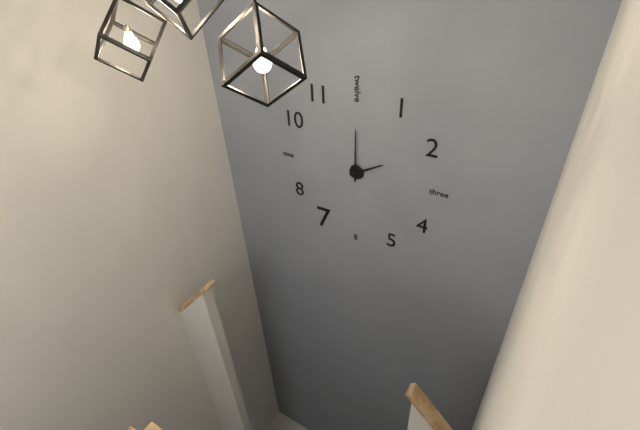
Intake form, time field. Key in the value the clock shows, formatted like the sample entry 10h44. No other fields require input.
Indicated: 2h00
